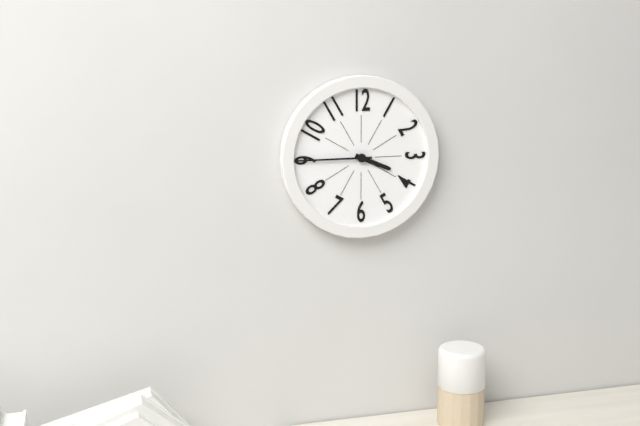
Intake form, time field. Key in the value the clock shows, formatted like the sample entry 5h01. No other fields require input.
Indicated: 3h45
